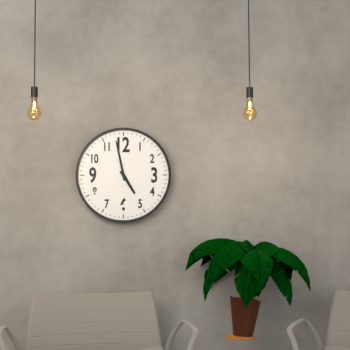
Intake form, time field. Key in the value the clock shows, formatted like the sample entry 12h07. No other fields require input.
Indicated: 4h58
